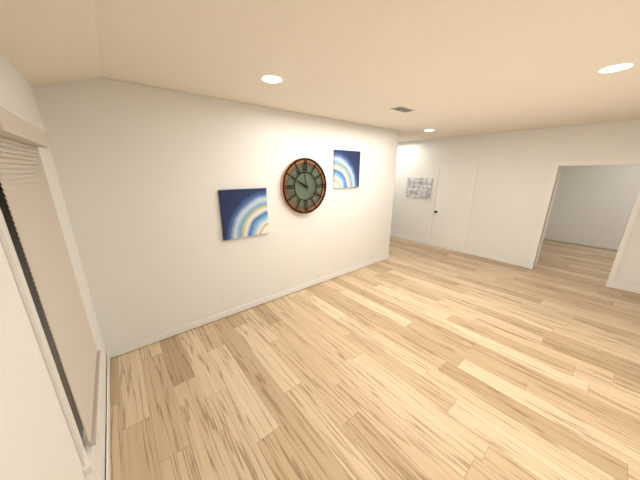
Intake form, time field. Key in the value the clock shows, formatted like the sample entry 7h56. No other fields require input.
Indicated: 9h58
